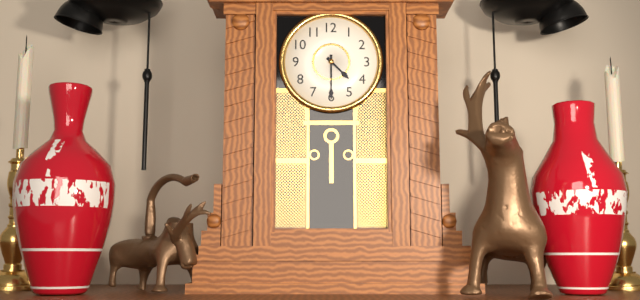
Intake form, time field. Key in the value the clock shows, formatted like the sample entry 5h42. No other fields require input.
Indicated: 4h30
